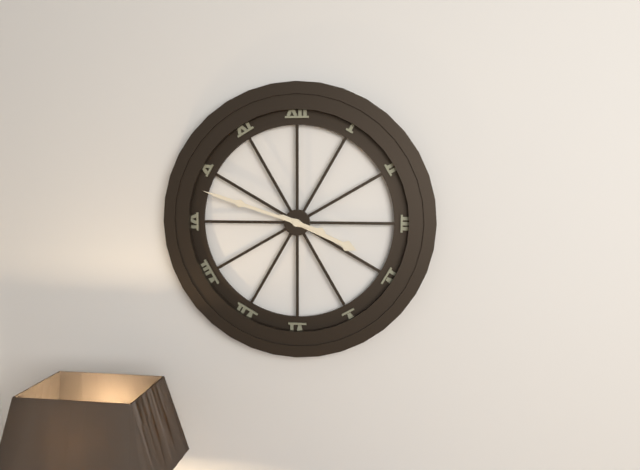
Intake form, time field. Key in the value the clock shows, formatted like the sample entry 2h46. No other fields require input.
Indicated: 3h48
